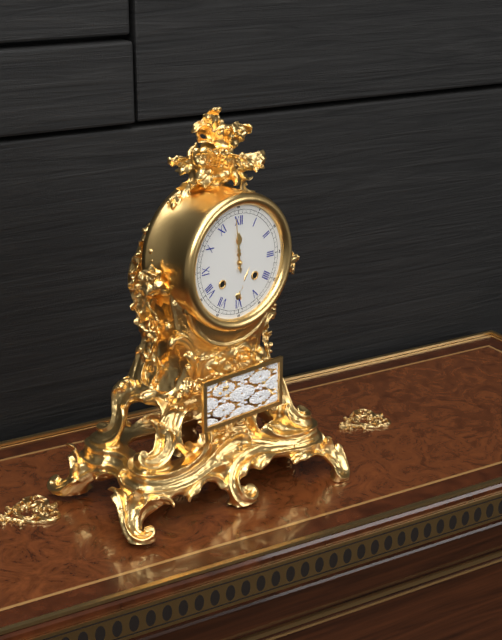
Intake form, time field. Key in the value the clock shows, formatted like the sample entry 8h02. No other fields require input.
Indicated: 11h59
